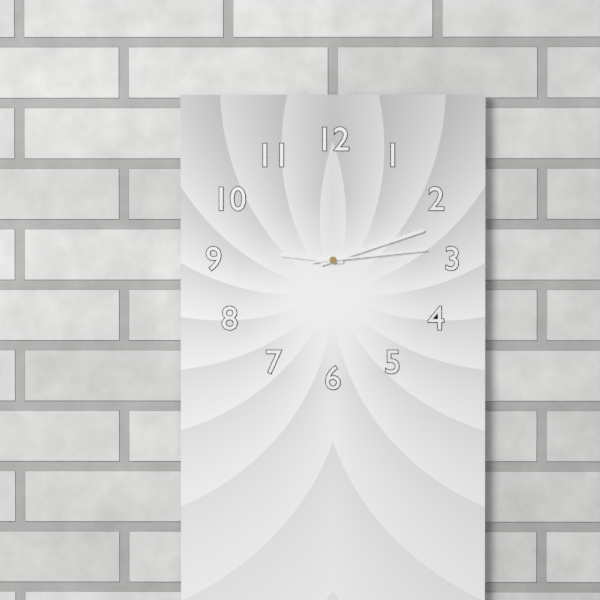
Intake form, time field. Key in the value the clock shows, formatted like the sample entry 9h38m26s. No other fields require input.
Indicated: 9h12m14s
